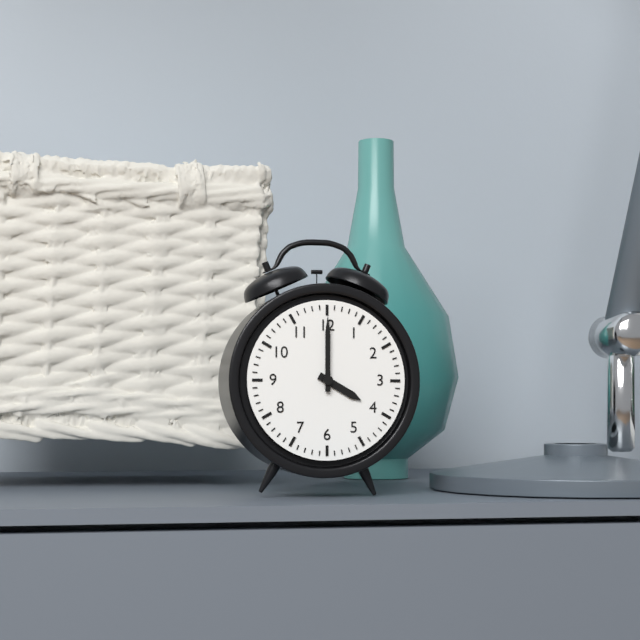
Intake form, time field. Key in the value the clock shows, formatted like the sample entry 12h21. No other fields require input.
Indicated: 4h00
